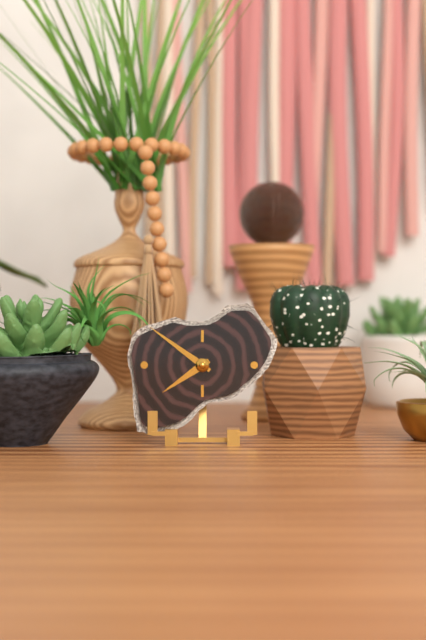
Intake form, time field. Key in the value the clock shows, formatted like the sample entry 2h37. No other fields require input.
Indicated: 7h51
